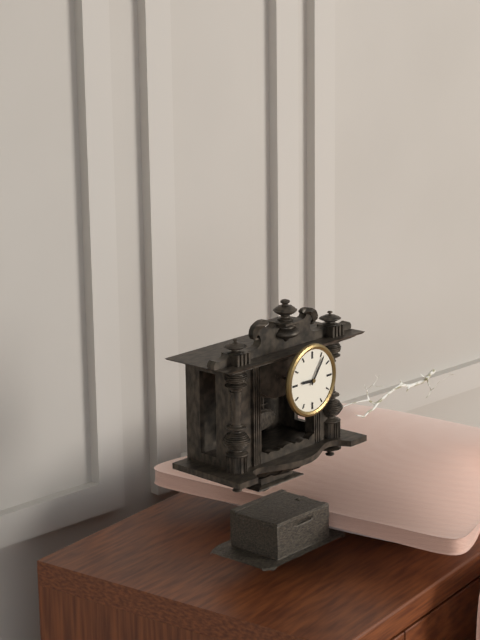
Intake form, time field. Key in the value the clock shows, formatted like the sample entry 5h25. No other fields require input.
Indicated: 9h06
